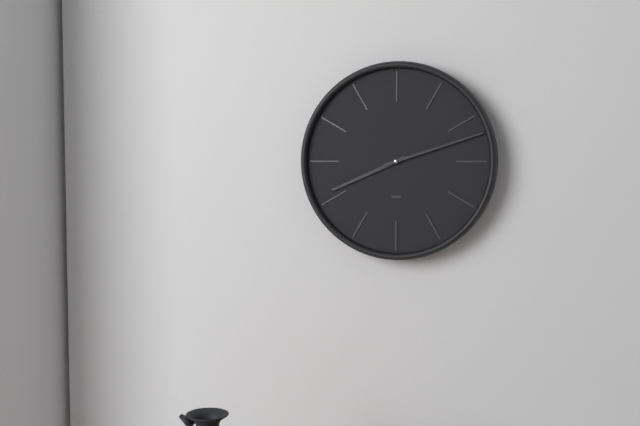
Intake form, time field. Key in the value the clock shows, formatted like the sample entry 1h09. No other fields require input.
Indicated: 8h12
